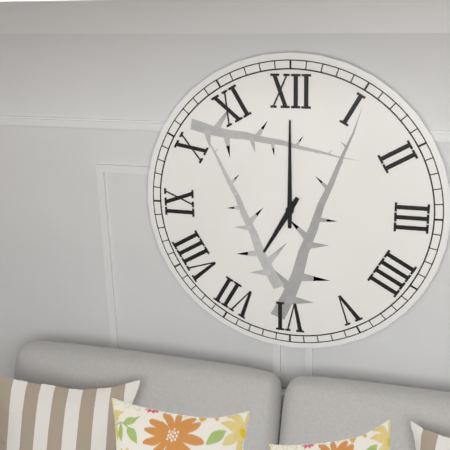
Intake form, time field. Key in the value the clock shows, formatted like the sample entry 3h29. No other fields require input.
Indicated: 7h00
